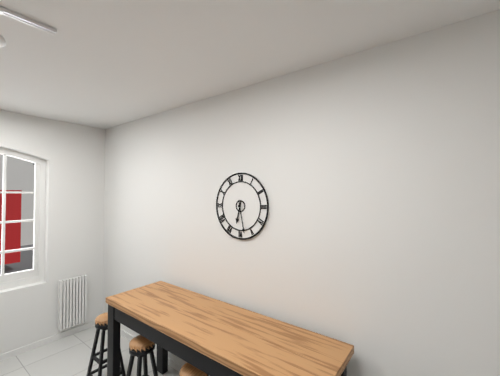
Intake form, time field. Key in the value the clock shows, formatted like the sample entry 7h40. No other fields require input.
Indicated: 6h28
